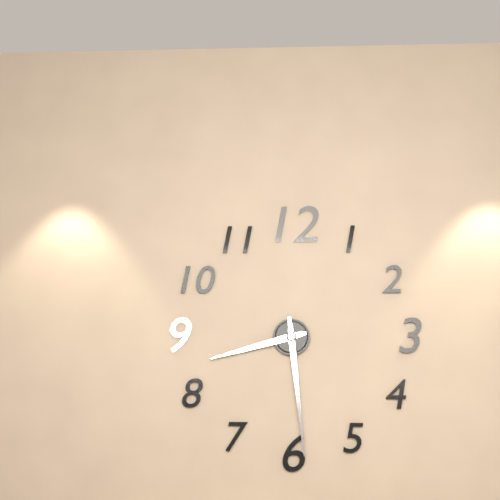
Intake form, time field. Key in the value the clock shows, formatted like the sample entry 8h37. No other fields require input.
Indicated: 8h29
